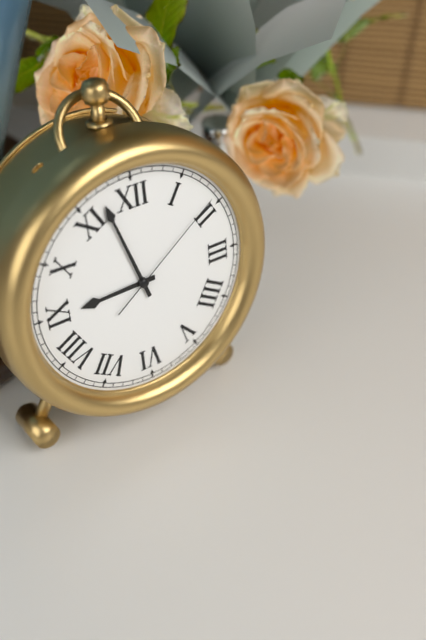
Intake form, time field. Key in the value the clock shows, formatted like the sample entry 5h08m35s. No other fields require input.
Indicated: 8h57m09s
